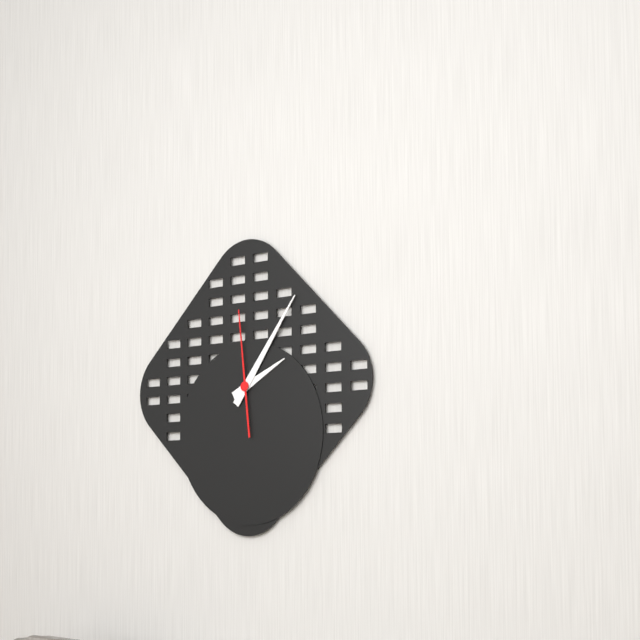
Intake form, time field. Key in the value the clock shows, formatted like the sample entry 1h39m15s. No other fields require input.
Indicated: 2h06m59s
